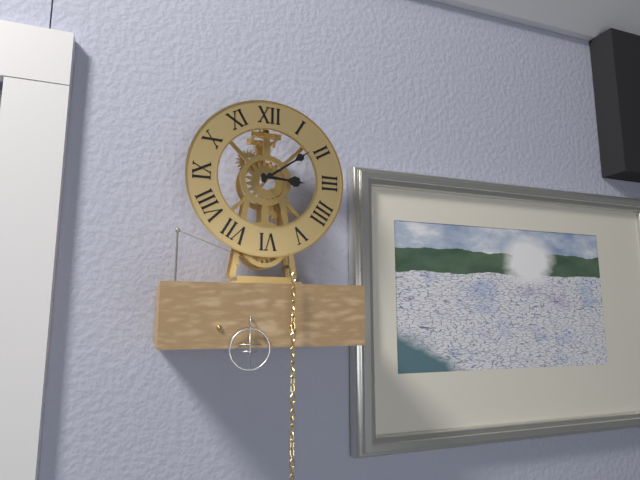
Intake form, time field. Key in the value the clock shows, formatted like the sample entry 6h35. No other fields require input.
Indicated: 3h09
